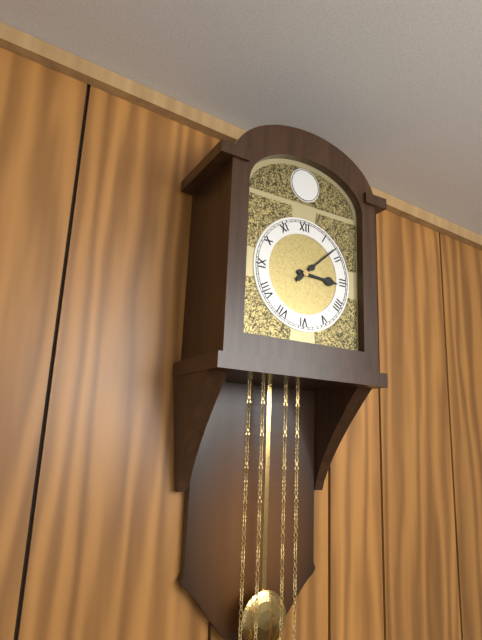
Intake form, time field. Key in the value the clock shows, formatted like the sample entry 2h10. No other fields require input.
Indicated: 3h08
